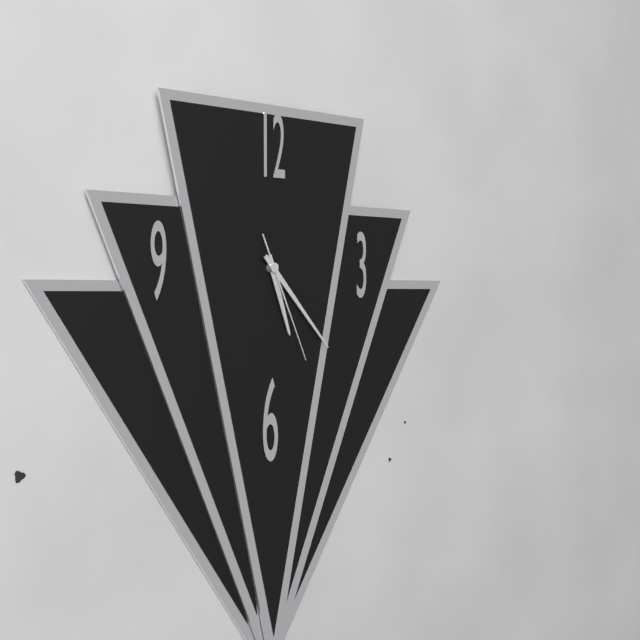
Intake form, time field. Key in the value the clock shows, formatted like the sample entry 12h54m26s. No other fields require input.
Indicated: 5h23m26s
